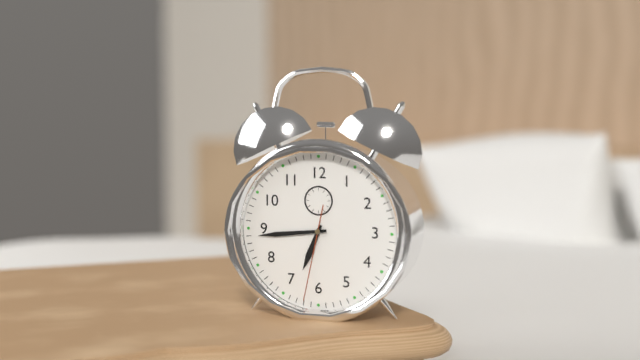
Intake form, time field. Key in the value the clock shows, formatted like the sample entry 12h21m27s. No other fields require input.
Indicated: 6h44m32s
